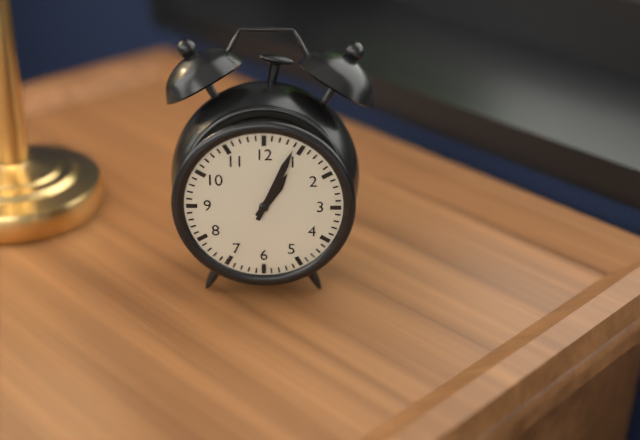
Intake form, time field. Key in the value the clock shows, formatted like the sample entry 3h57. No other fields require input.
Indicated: 1h04
